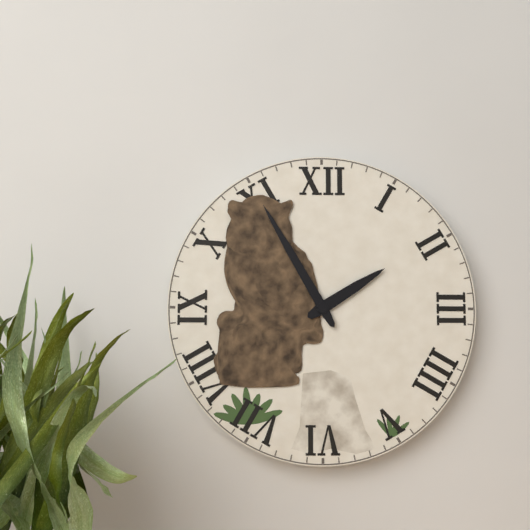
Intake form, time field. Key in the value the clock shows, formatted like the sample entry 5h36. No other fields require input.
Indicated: 1h55
